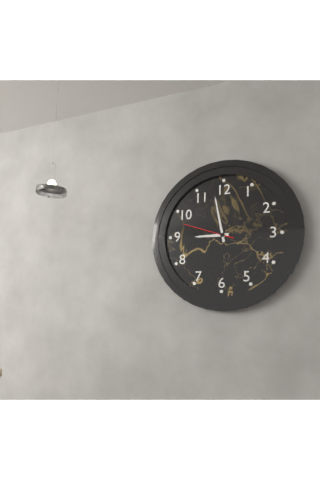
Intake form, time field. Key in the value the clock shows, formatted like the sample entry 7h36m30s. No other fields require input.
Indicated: 8h58m48s
